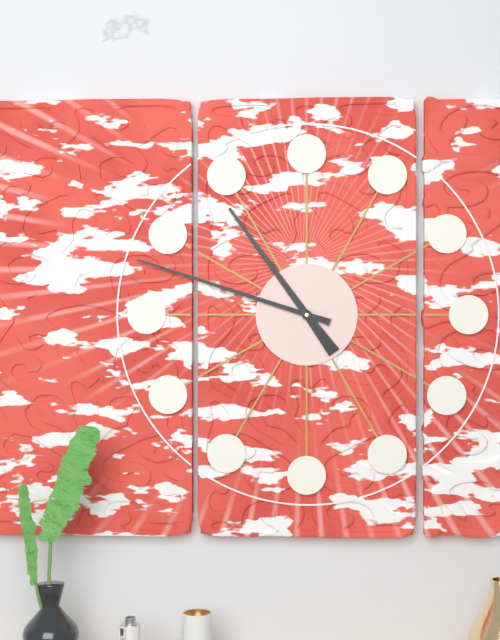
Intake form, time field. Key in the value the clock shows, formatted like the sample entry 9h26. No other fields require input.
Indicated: 10h48
